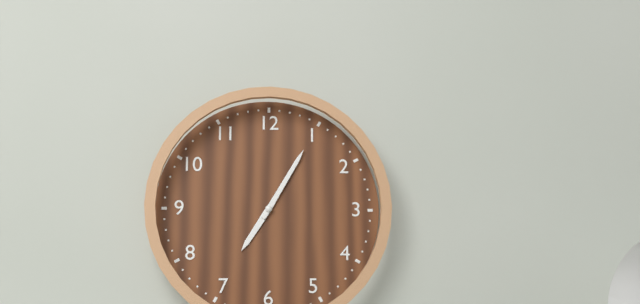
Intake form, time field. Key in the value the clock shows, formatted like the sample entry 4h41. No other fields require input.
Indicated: 7h05
